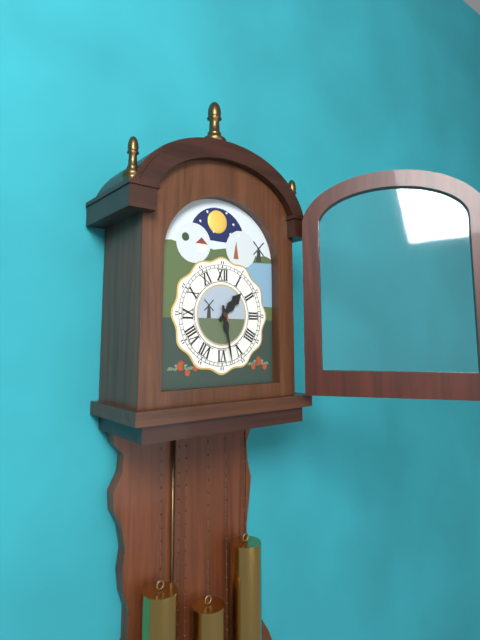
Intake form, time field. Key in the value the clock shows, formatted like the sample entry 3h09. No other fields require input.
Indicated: 1h28
